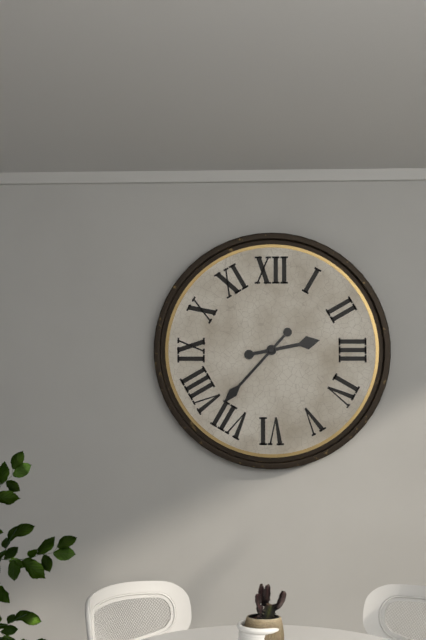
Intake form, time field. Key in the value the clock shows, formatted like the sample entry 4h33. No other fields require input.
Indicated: 2h37
